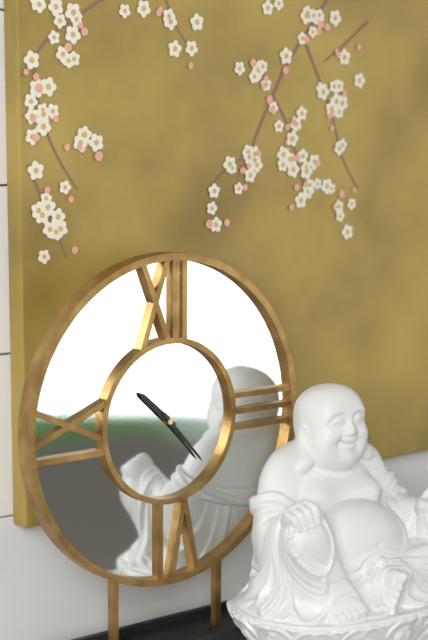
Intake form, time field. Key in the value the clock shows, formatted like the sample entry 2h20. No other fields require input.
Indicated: 10h23
